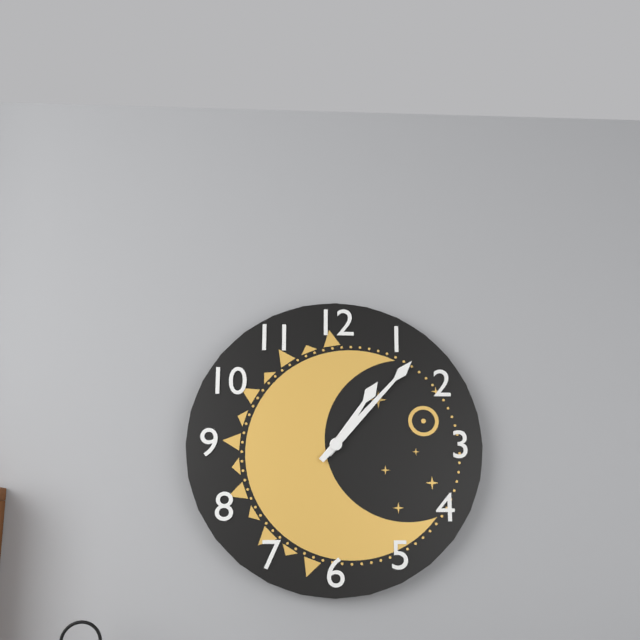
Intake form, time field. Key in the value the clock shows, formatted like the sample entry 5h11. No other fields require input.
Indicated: 1h07
